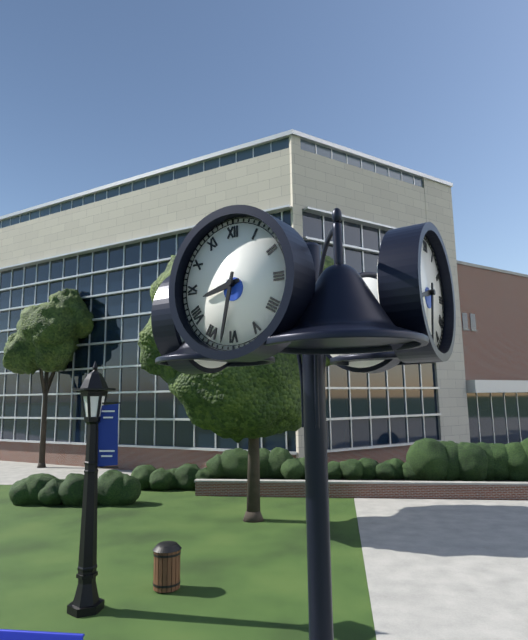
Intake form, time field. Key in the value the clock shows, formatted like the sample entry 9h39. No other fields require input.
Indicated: 8h32
